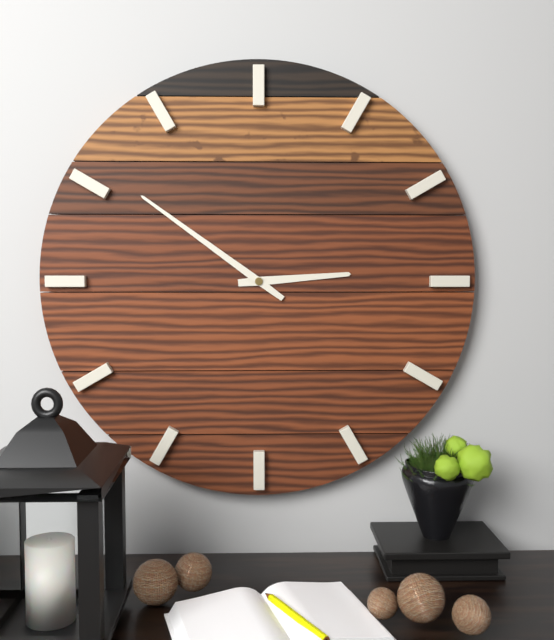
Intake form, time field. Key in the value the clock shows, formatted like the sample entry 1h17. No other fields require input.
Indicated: 2h51
